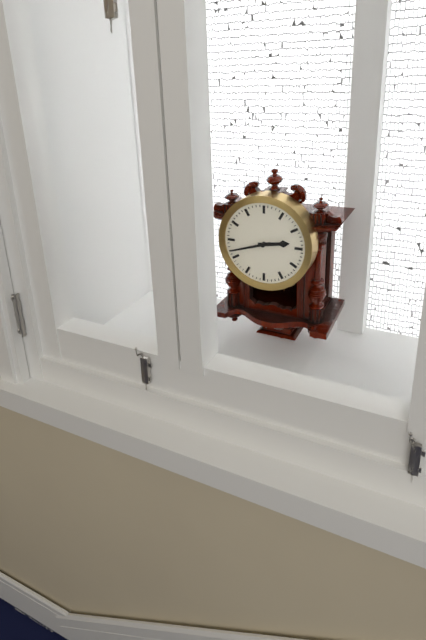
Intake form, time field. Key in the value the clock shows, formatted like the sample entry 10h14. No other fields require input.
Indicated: 2h42
